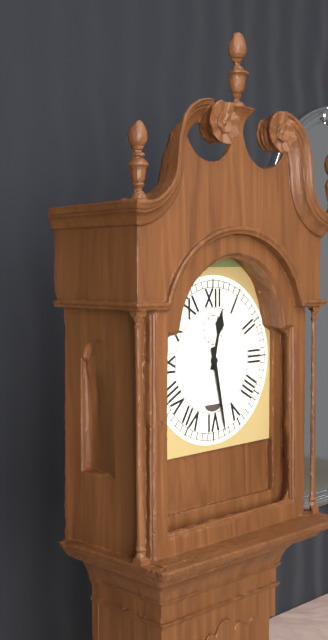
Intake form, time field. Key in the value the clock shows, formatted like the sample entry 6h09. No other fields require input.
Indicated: 12h28
